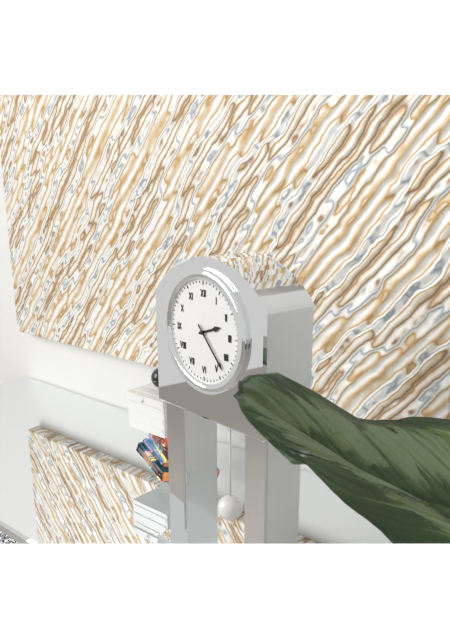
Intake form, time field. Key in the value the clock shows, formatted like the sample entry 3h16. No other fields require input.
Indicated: 2h23
